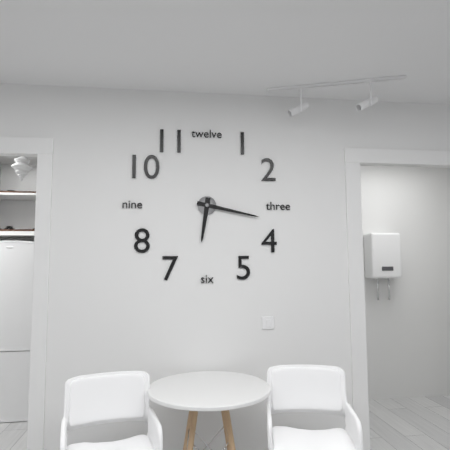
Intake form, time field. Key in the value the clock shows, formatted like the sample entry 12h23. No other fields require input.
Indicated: 6h17
